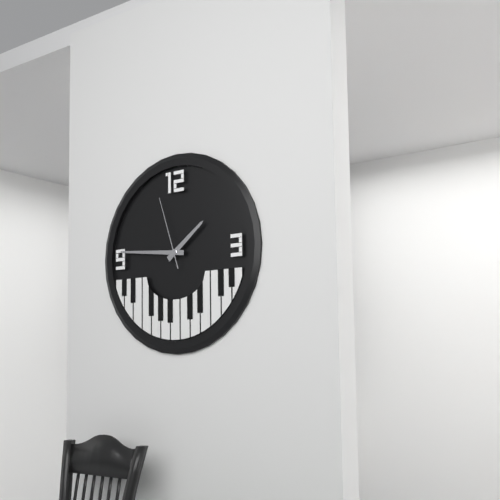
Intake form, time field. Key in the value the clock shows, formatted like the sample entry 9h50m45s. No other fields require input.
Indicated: 1h46m57s
